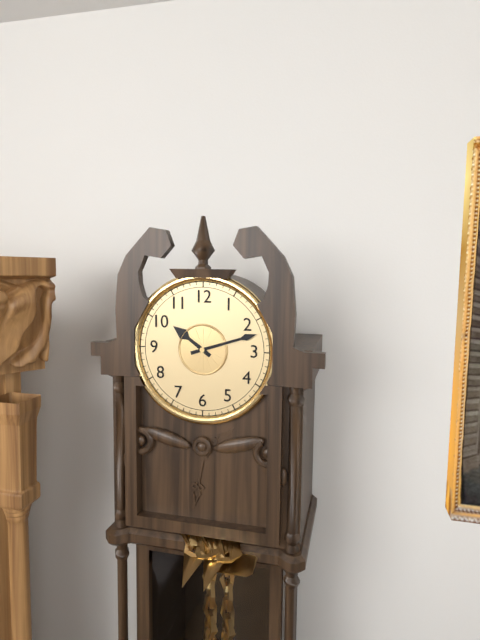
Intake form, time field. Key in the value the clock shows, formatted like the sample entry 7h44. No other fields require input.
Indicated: 10h12
